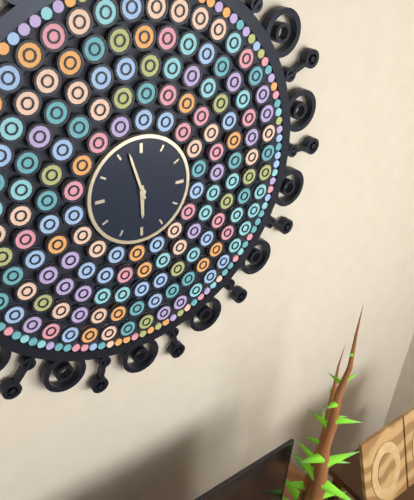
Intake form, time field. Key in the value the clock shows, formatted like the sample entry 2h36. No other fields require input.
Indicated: 5h57
